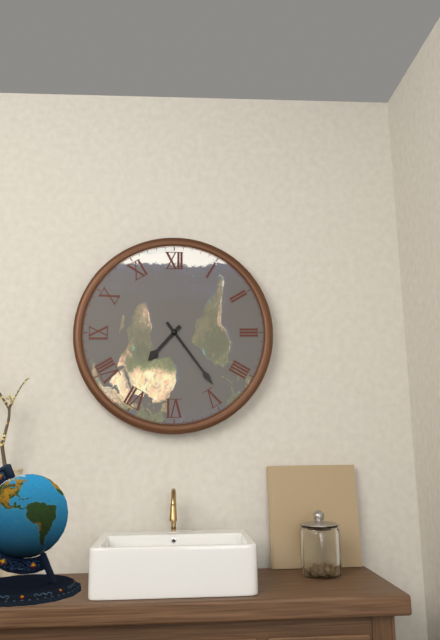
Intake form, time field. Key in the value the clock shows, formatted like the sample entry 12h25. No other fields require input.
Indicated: 7h24
